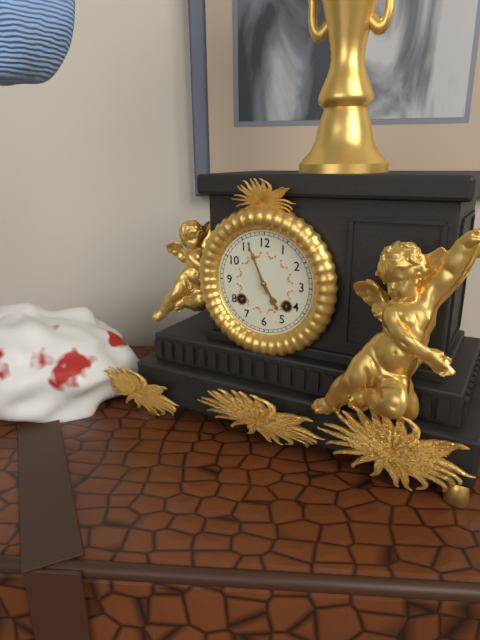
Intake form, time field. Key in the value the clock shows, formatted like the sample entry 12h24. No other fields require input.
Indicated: 4h56
